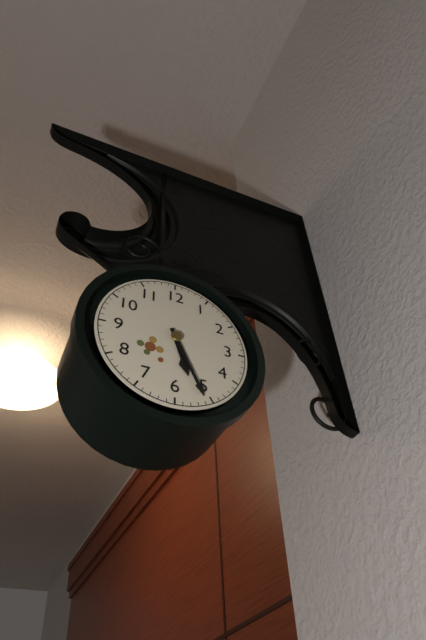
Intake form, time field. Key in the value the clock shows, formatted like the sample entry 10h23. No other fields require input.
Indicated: 5h26
